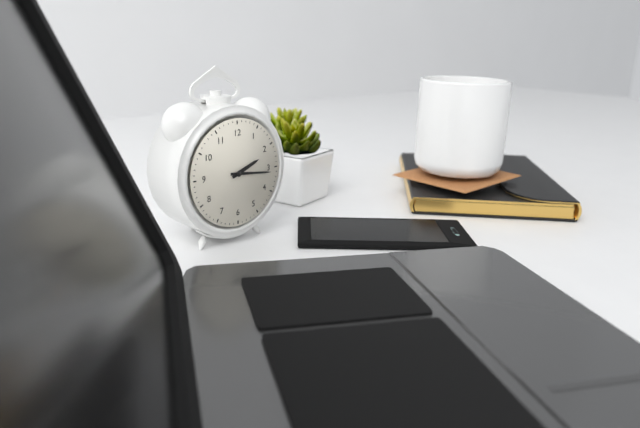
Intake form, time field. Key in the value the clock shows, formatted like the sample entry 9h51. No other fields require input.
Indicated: 2h16
